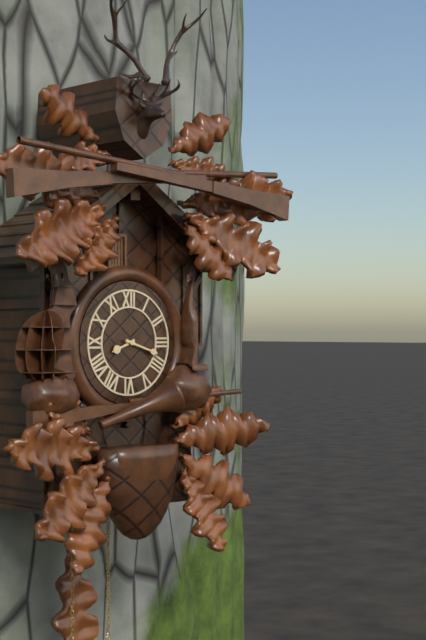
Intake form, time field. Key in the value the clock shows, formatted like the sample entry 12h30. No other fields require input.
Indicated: 8h18
